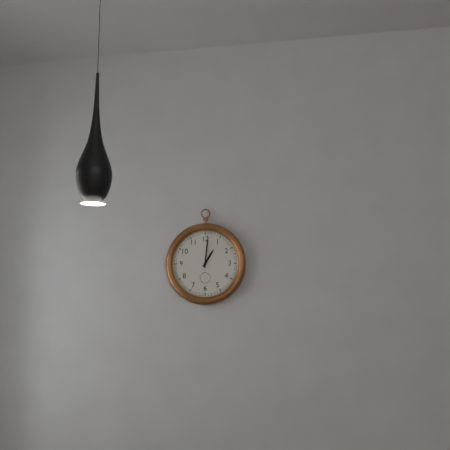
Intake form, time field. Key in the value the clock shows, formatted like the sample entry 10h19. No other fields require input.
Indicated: 1h01
